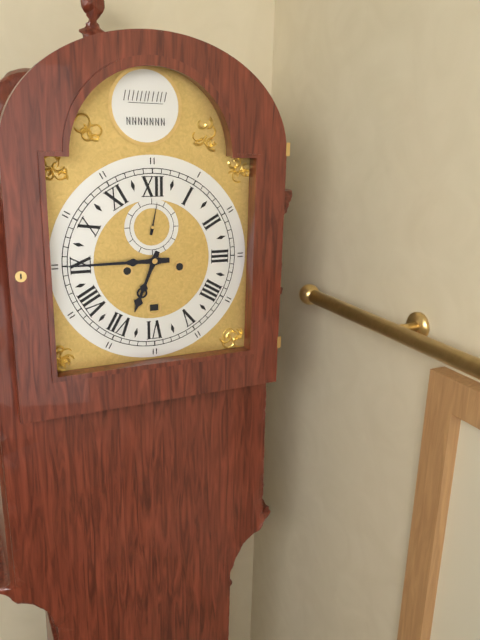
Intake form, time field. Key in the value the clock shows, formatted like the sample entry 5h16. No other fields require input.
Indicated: 6h45
